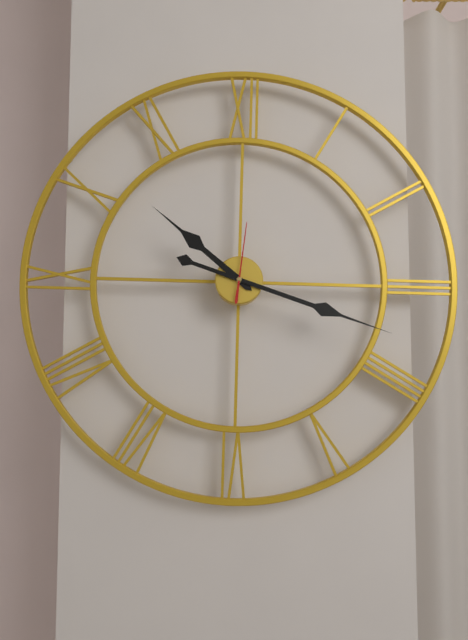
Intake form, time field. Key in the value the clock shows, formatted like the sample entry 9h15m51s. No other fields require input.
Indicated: 10h18m01s
